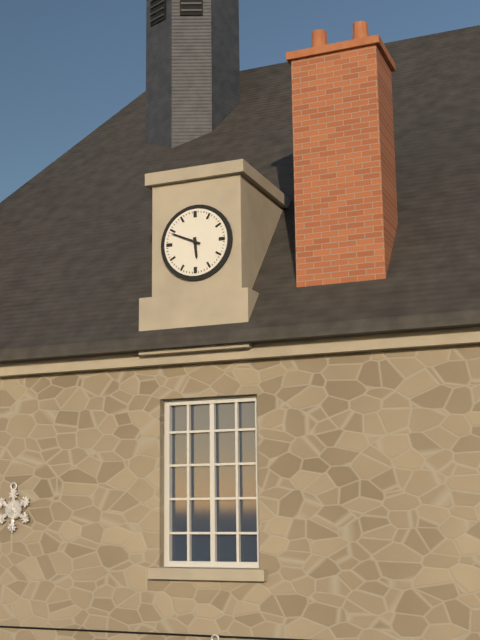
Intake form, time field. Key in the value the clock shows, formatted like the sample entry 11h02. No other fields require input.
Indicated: 5h49
